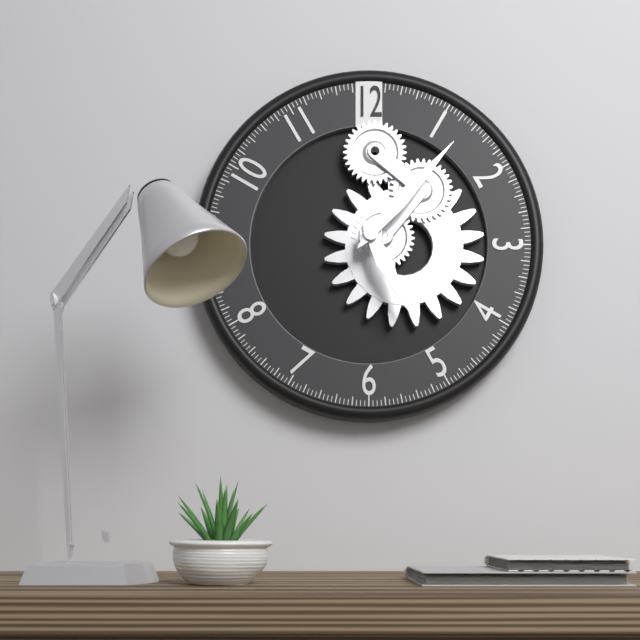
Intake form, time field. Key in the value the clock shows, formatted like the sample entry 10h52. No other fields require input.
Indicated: 5h07
